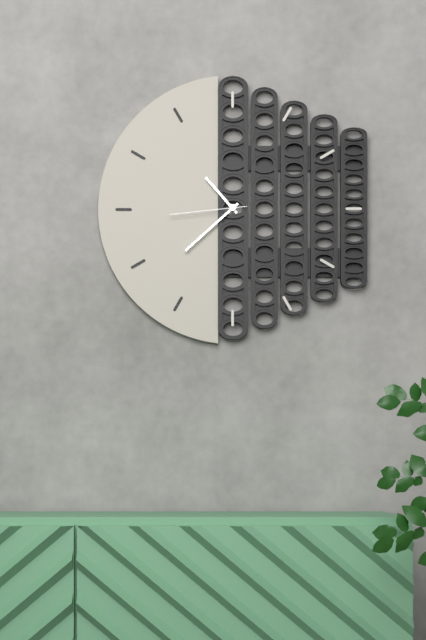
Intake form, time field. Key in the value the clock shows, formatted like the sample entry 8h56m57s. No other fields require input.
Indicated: 10h38m44s
